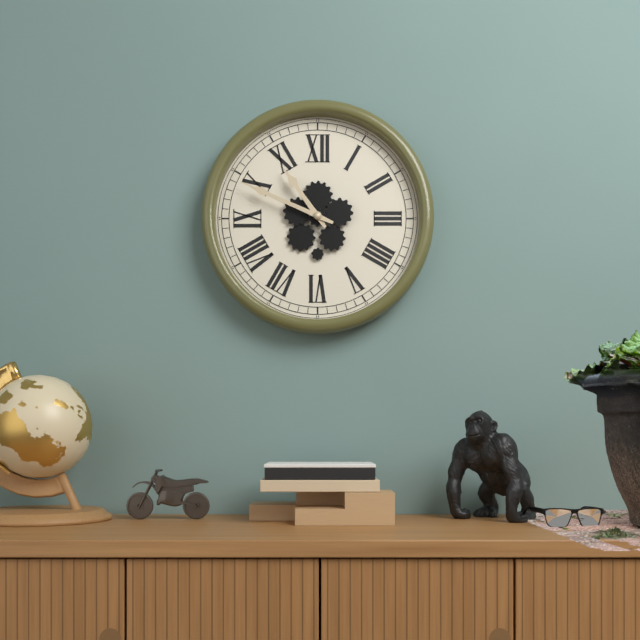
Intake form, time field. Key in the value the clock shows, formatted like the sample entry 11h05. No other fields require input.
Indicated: 10h49
